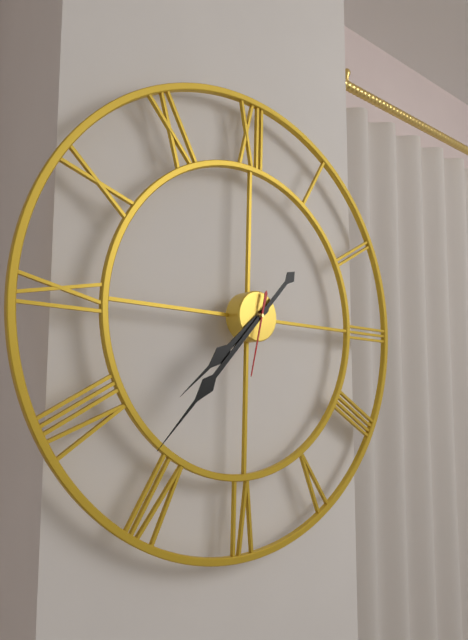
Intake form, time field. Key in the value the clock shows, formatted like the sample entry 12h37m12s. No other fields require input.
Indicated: 7h37m32s
